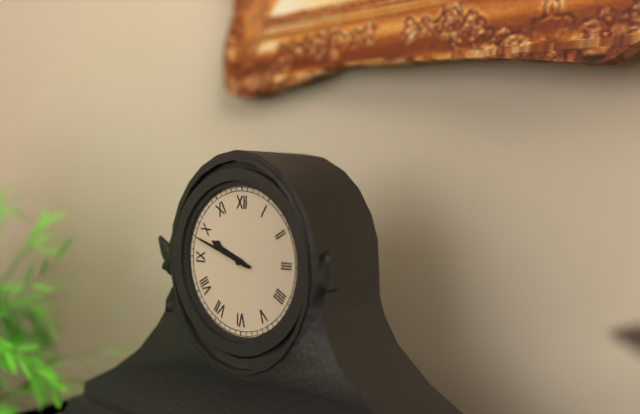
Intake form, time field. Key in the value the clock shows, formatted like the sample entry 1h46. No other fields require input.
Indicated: 9h48
